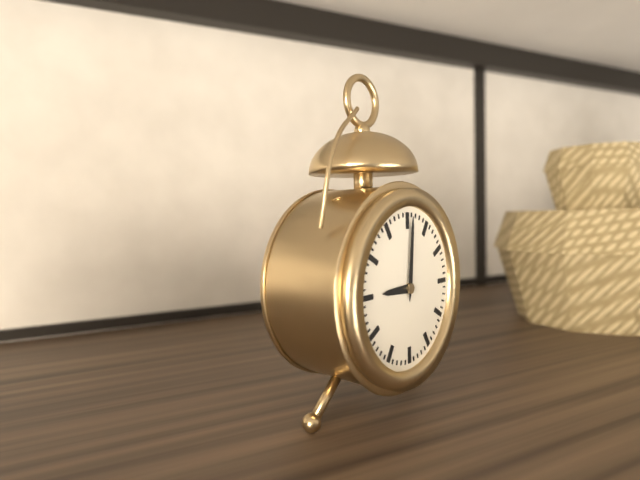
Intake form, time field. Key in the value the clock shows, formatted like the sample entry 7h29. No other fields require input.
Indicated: 9h01
